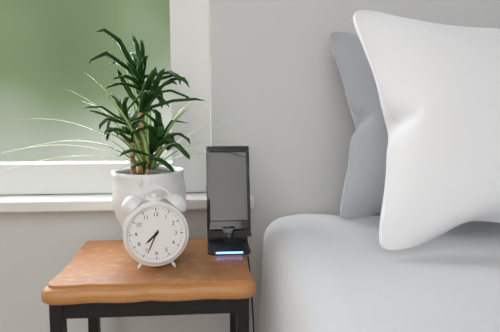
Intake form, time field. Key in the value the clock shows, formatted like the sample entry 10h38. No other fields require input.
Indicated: 7h34
